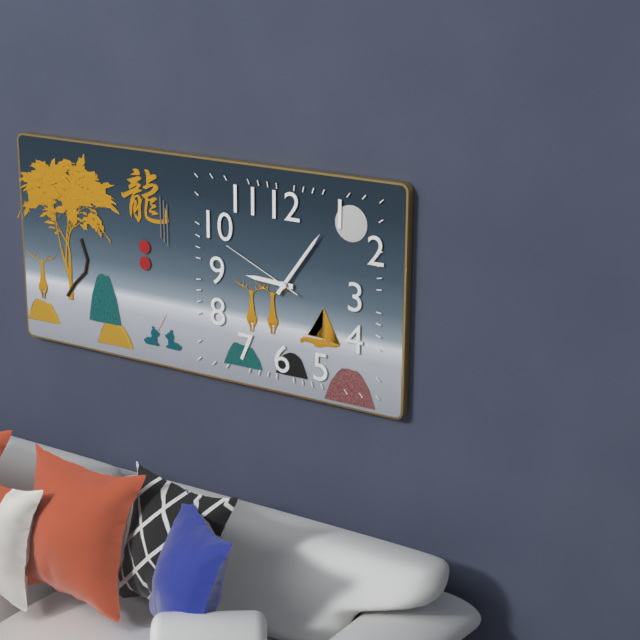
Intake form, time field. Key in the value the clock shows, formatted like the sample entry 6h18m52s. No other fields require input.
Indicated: 9h06m49s
